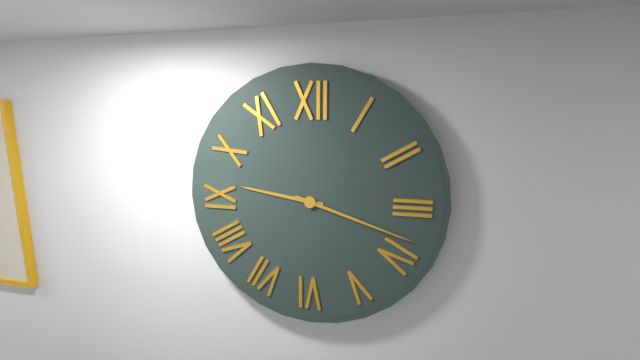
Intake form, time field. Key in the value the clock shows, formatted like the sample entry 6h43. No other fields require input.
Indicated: 9h18
